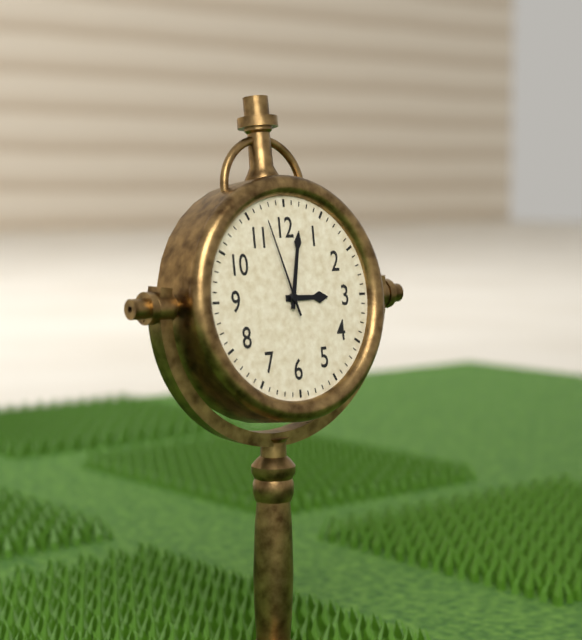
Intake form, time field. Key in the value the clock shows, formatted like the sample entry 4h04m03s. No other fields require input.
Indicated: 3h02m57s
